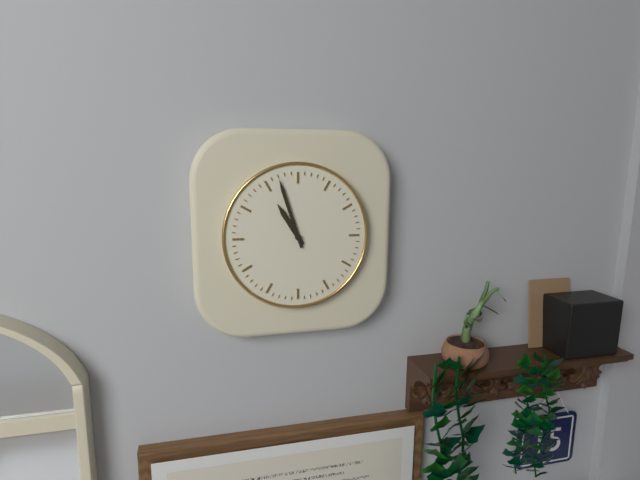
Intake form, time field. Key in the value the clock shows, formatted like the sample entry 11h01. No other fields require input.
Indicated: 10h57
